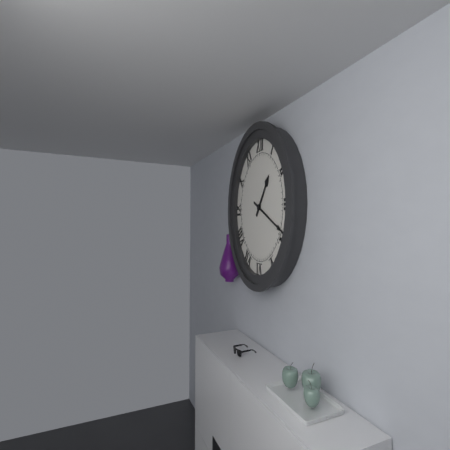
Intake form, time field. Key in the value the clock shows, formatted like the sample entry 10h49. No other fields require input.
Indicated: 1h19
